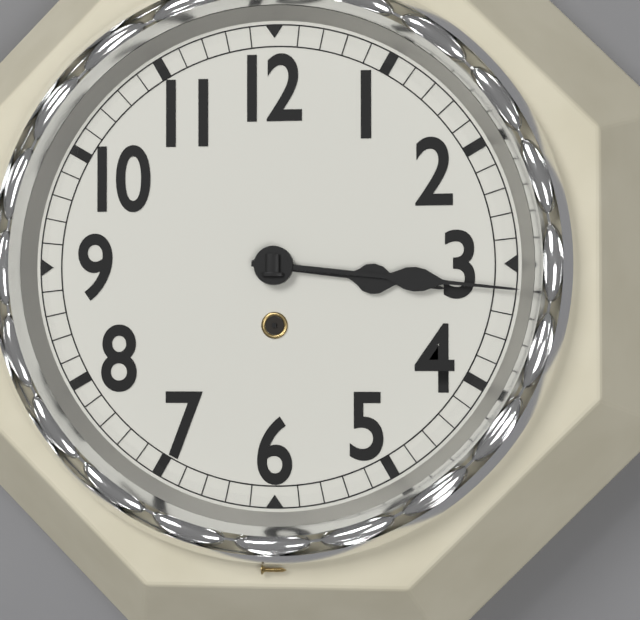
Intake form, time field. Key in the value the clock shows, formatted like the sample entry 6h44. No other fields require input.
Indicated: 3h16
